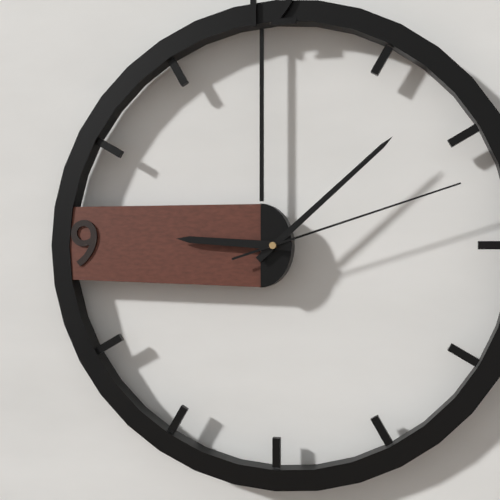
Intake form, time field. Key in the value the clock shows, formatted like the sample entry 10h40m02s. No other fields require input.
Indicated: 9h08m12s
